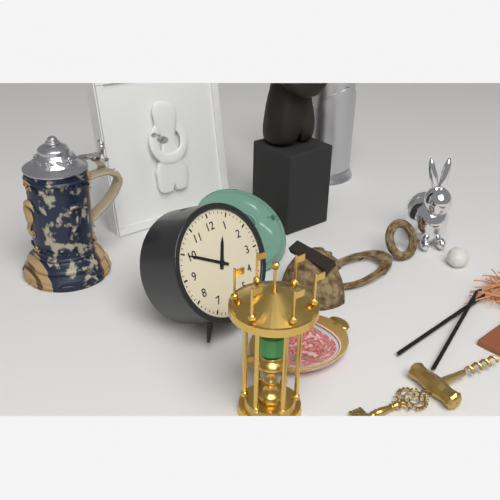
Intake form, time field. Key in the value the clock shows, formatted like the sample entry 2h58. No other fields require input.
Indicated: 12h50
